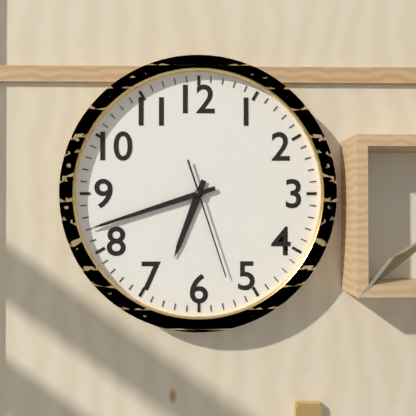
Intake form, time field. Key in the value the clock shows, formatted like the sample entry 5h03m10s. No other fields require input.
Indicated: 6h42m27s
